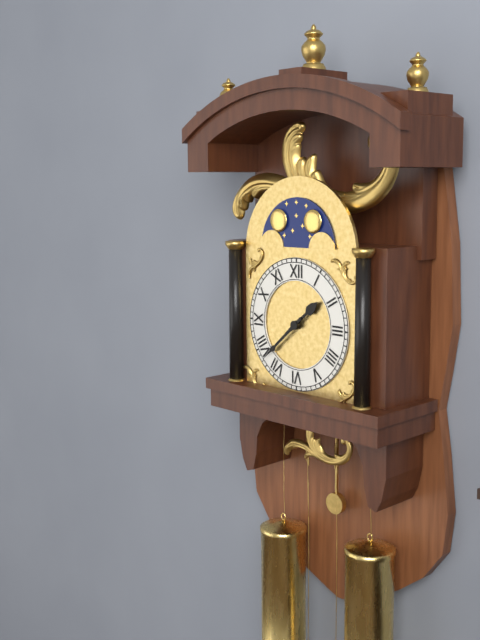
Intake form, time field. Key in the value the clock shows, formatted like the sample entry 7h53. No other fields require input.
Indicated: 1h38
